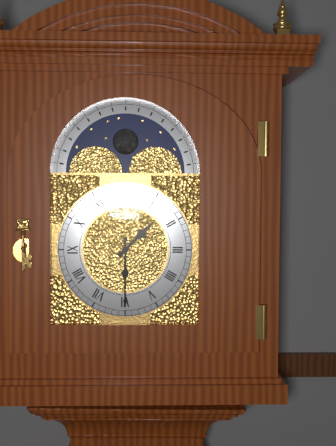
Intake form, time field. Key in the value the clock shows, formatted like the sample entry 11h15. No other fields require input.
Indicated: 1h30
